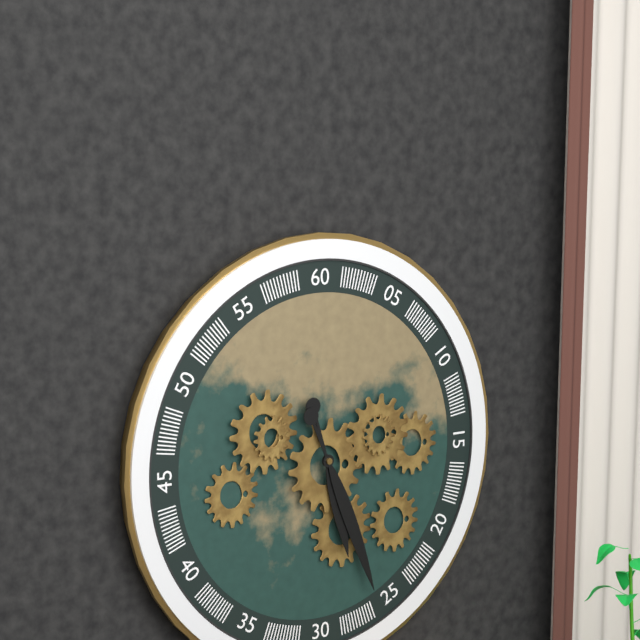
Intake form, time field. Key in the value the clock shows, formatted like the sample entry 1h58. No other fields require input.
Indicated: 5h26
